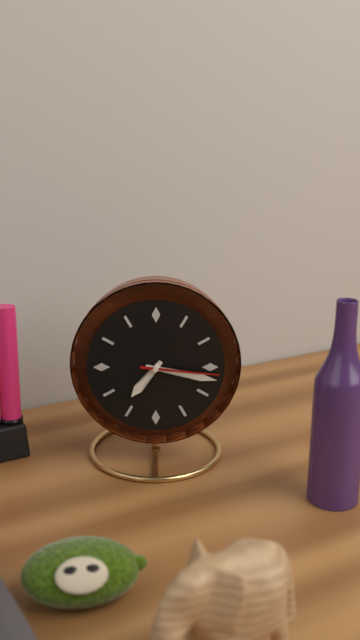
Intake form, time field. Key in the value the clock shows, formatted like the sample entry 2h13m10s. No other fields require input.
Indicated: 7h17m16s
